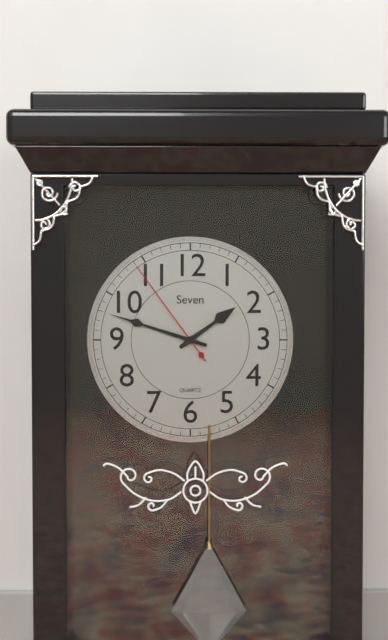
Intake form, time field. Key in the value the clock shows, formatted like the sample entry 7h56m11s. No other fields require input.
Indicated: 1h48m54s
